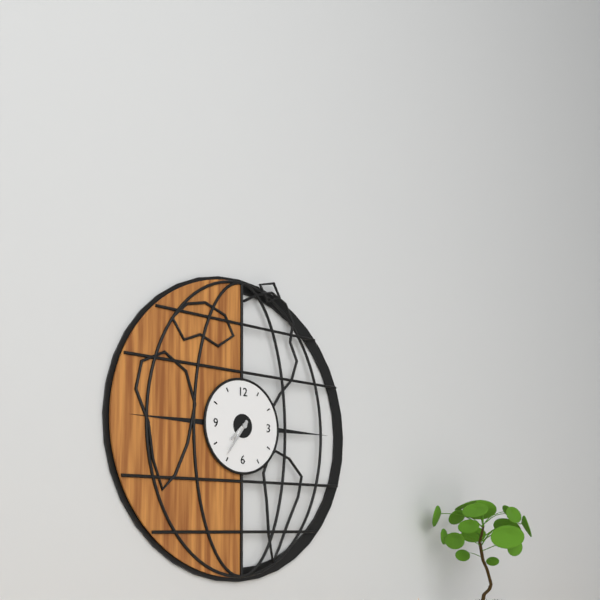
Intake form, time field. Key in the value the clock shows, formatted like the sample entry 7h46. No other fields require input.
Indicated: 7h36
